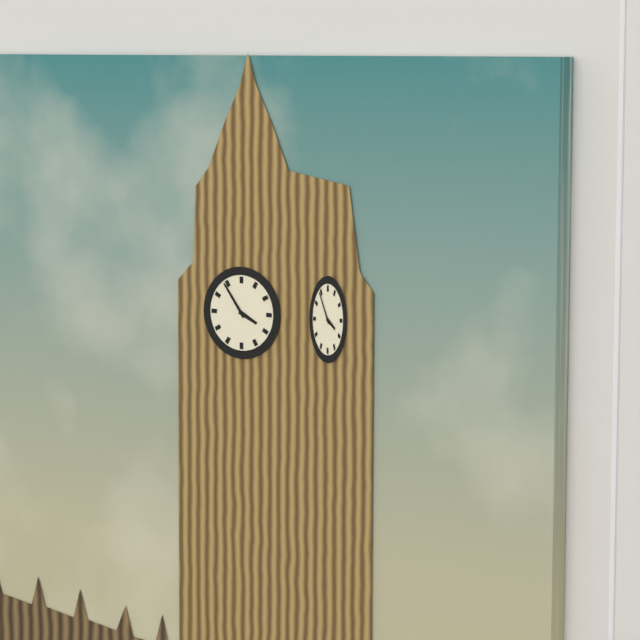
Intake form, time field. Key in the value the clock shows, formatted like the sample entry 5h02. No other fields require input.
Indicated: 3h54
